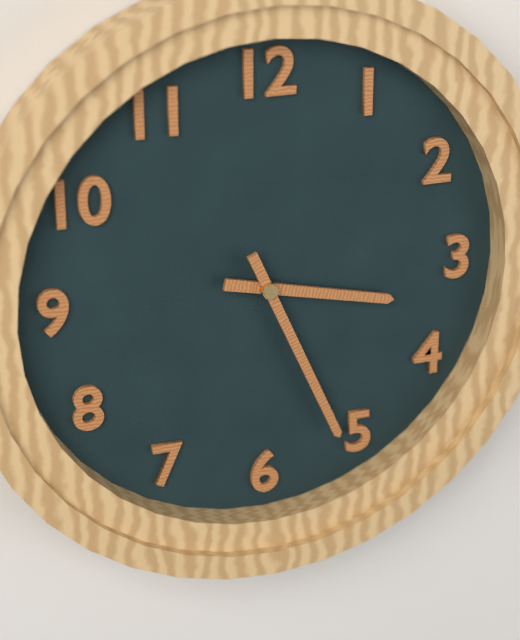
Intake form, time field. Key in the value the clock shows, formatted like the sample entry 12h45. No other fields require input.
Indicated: 3h26
